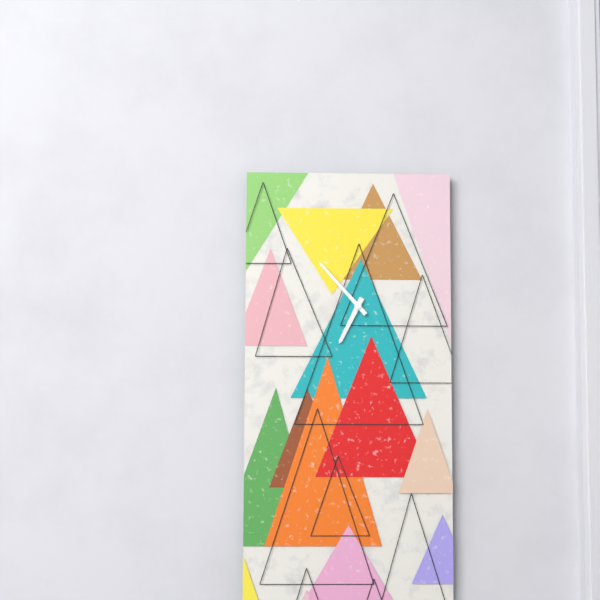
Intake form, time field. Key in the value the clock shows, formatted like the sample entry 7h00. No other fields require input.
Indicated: 6h53
